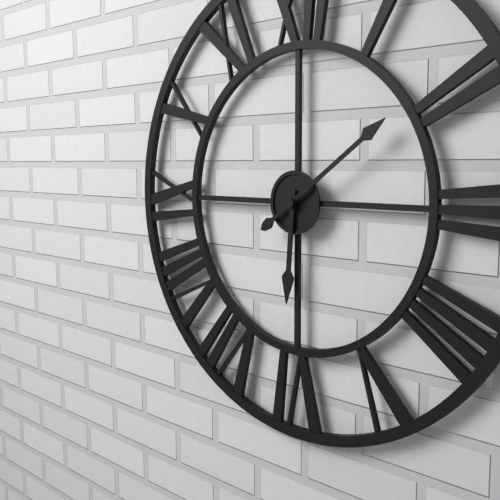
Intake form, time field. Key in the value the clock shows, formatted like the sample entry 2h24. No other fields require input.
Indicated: 6h09
